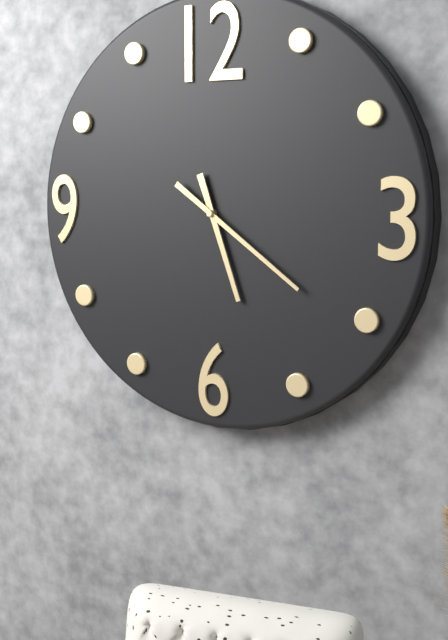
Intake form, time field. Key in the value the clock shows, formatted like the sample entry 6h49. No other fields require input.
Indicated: 5h21
